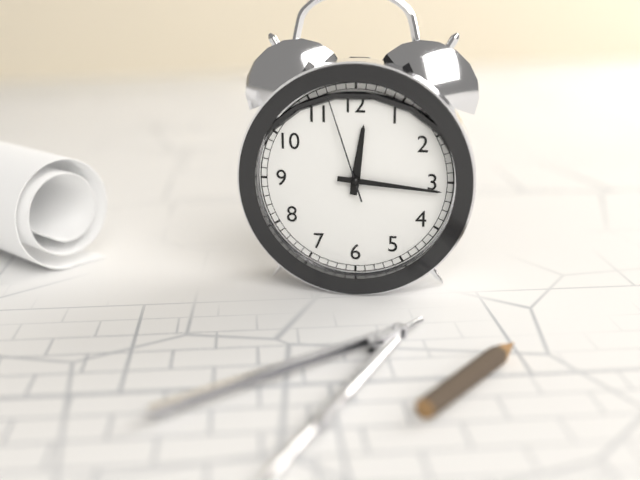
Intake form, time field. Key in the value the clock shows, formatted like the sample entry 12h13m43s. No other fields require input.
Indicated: 12h16m57s
